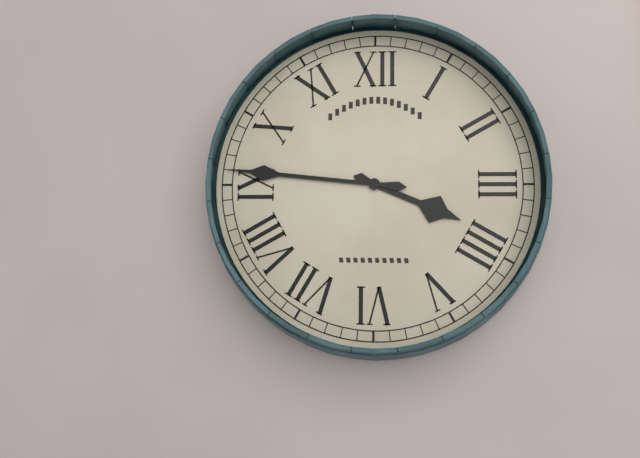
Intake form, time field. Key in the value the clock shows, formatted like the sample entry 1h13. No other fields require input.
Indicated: 3h46
